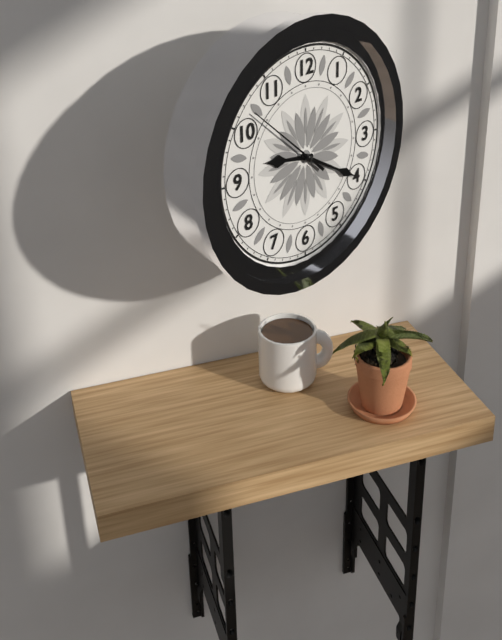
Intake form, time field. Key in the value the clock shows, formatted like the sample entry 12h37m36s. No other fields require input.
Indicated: 9h20m52s
